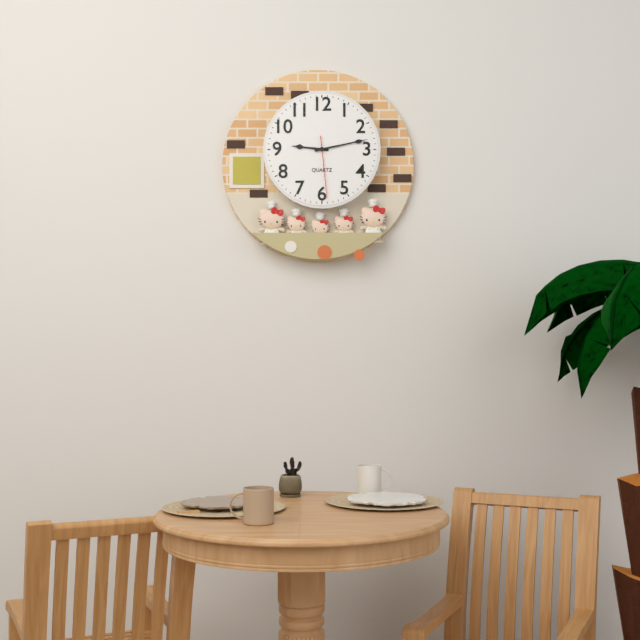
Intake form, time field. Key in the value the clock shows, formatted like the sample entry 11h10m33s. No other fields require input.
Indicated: 9h13m29s
